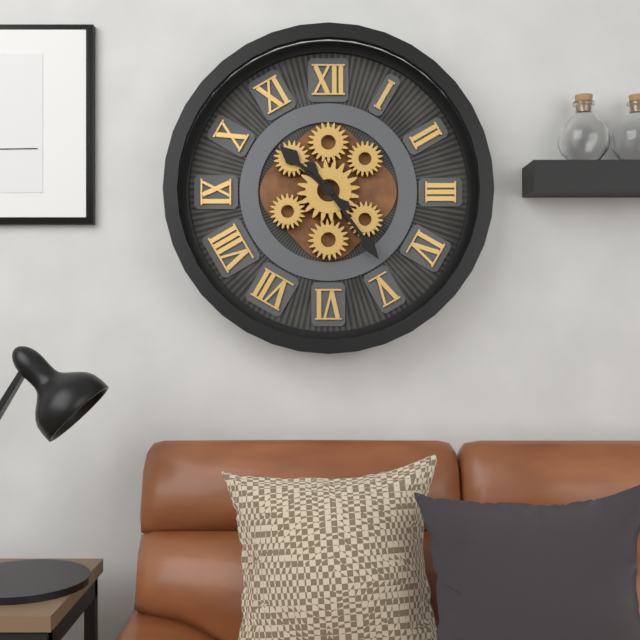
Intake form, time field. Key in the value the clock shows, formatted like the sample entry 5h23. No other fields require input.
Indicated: 10h24
